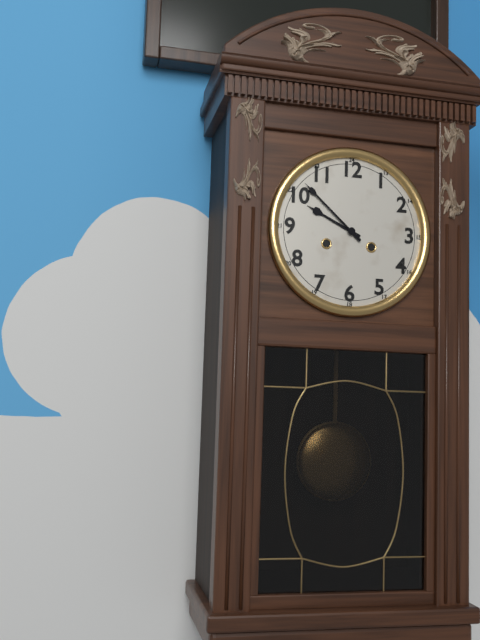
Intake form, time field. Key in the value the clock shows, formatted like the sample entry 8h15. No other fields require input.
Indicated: 9h52
